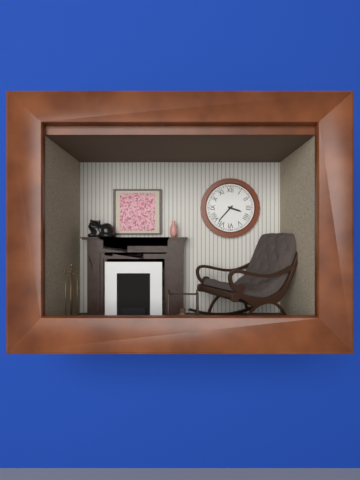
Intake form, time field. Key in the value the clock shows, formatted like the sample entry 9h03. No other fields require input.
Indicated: 3h37
